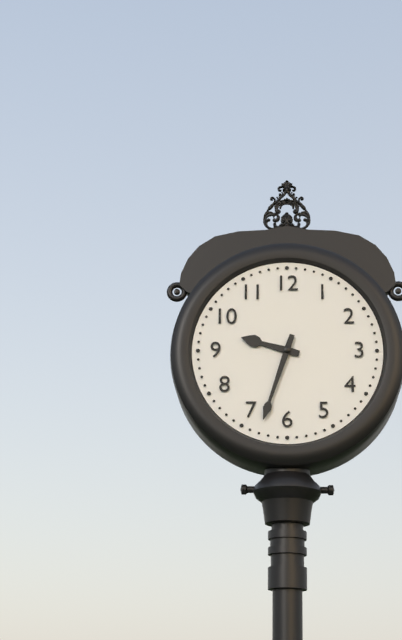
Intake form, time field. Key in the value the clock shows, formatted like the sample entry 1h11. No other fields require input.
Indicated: 9h33
